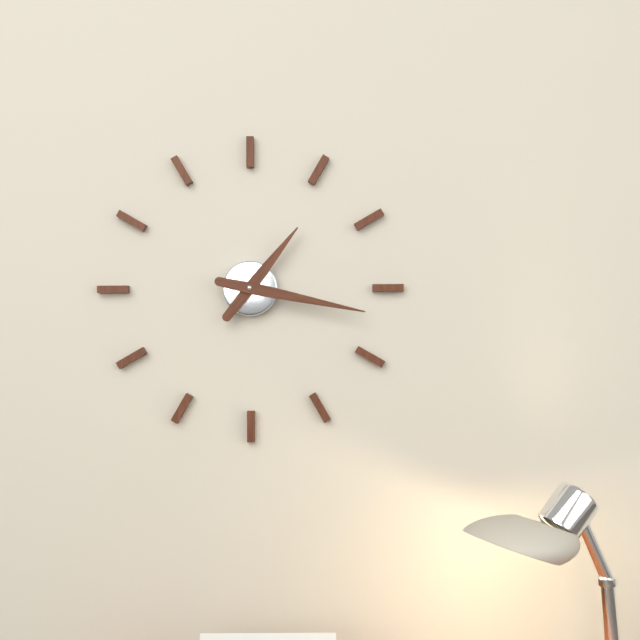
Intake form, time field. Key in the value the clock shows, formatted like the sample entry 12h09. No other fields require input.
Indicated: 1h17
